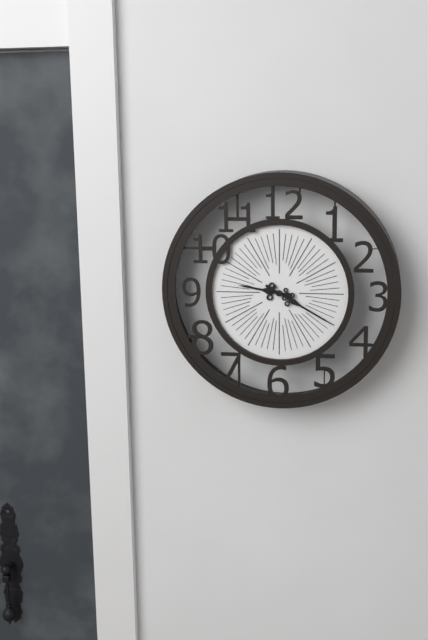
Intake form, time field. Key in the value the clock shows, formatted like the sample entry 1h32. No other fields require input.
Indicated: 9h20
